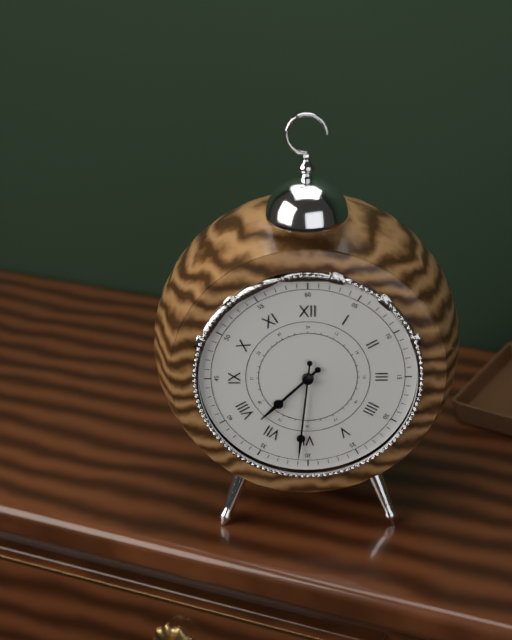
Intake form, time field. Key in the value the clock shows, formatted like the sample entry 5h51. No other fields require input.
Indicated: 7h31
